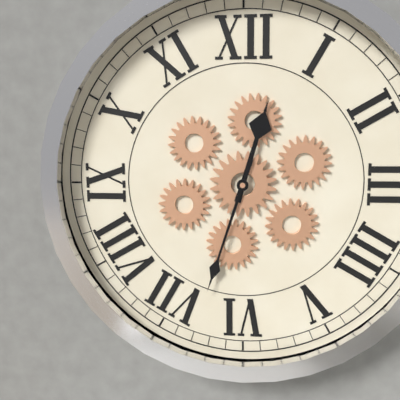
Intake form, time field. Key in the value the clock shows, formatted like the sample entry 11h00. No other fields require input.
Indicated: 12h33
